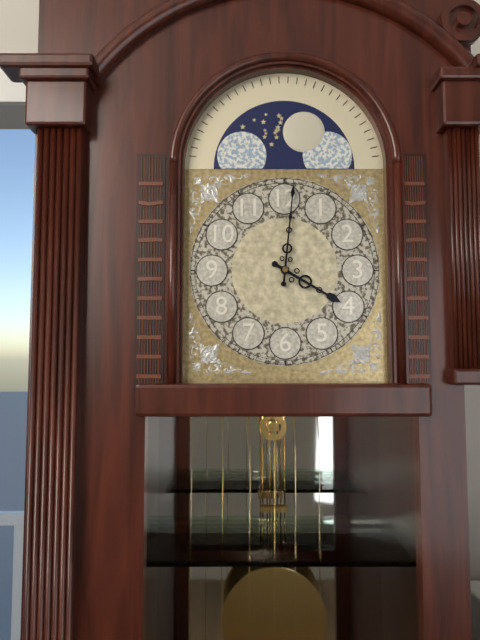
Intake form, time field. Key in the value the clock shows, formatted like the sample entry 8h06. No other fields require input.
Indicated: 4h01
